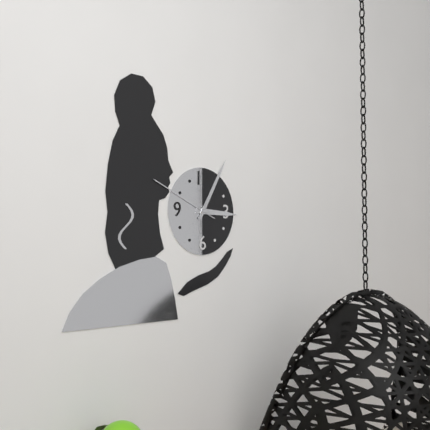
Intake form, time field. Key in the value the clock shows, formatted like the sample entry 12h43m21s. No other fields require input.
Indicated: 3h05m49s
